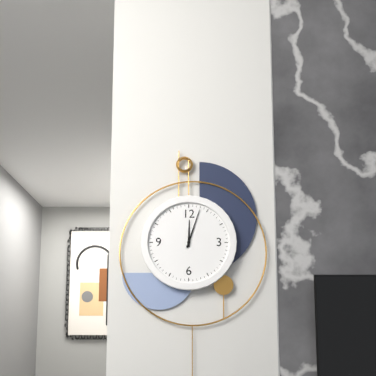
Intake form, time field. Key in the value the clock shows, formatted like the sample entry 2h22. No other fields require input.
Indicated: 12h03
